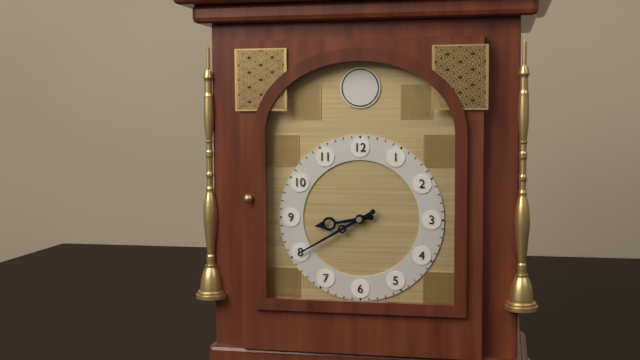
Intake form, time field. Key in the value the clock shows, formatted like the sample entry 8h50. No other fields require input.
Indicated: 8h40
